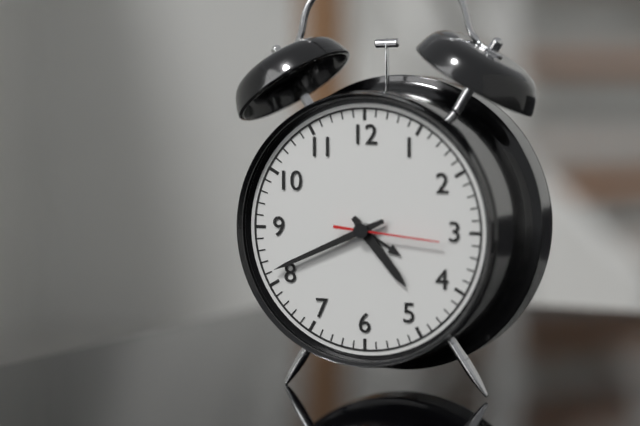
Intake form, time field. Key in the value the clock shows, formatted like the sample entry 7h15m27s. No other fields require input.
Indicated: 4h41m16s
